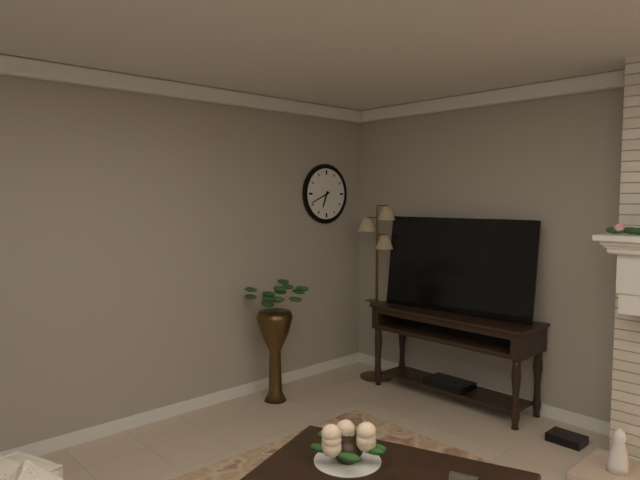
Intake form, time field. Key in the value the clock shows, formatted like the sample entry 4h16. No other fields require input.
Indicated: 6h41
